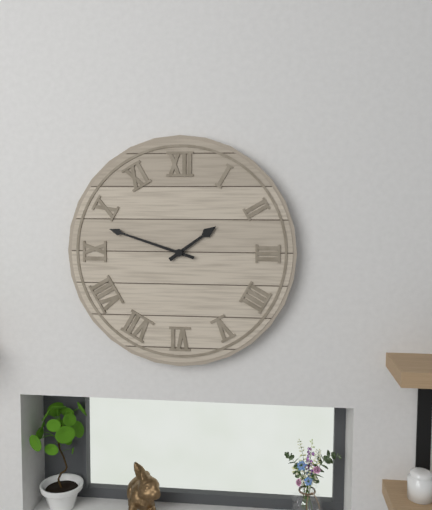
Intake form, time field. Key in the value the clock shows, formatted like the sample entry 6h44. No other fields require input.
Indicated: 1h48
